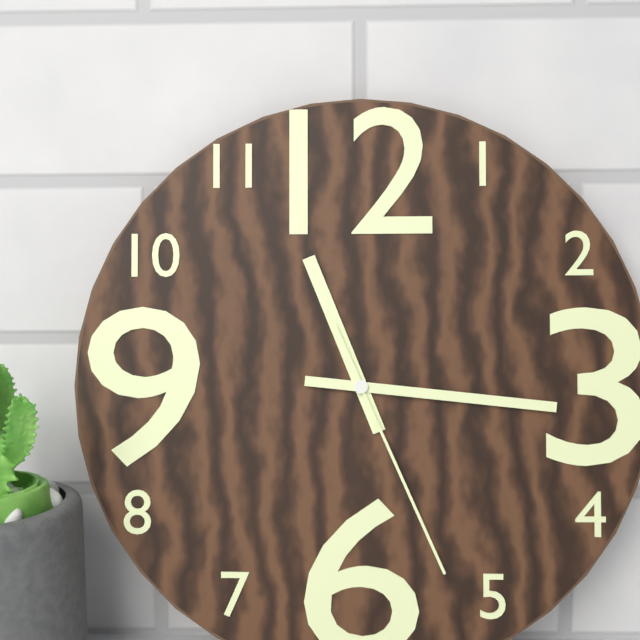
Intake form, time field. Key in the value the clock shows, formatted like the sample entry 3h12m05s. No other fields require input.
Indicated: 11h16m26s
